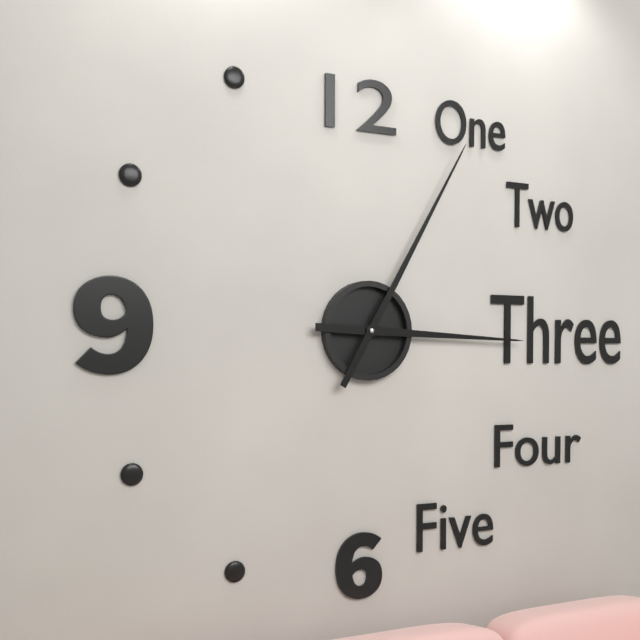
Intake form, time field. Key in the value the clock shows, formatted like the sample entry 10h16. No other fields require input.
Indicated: 3h05
